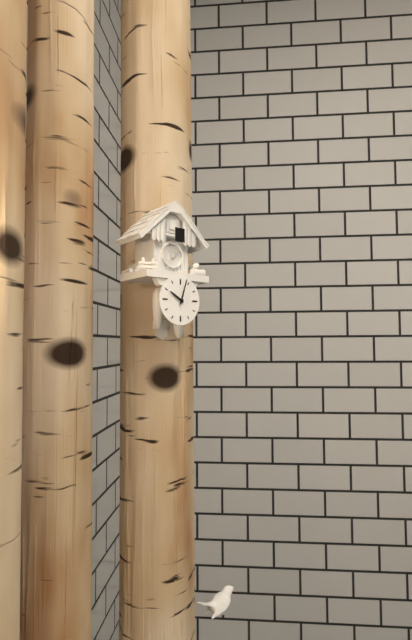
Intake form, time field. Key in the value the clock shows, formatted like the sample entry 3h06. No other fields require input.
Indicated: 10h03
